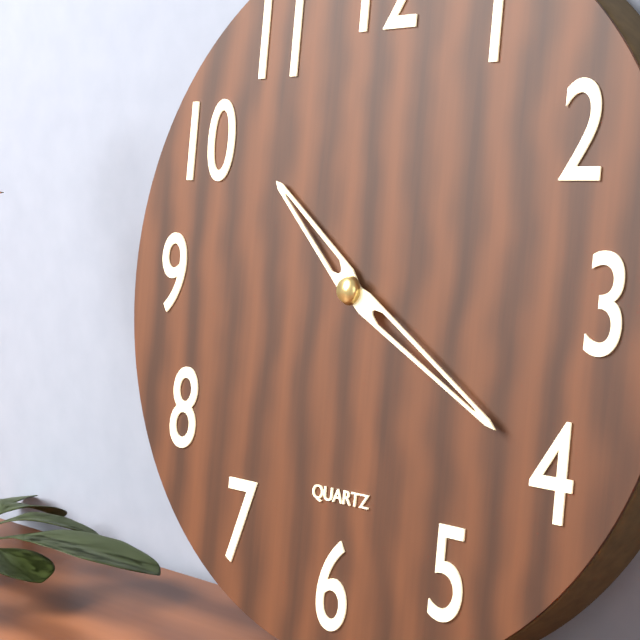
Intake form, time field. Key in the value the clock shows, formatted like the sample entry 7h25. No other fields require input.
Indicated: 10h20
